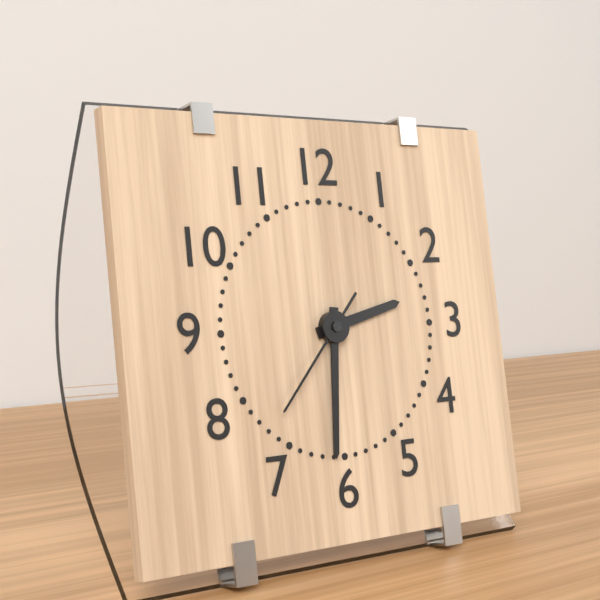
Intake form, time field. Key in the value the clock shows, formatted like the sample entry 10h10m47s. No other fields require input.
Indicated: 2h31m37s
